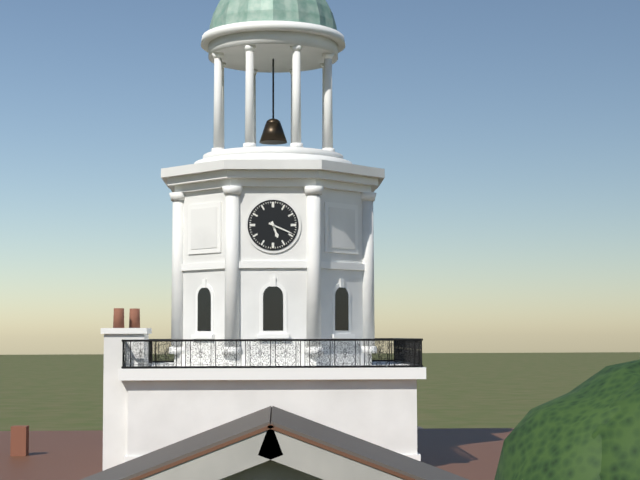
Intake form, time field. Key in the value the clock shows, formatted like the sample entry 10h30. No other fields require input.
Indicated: 5h19
